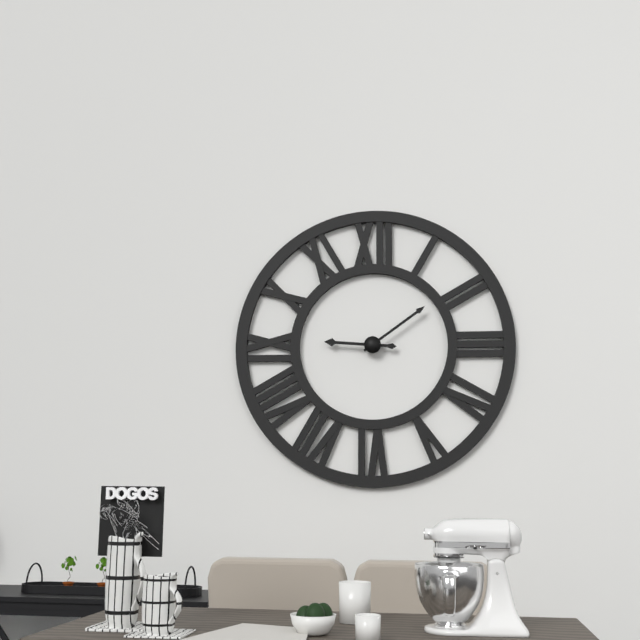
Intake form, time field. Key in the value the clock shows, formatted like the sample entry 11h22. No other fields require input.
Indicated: 9h09
